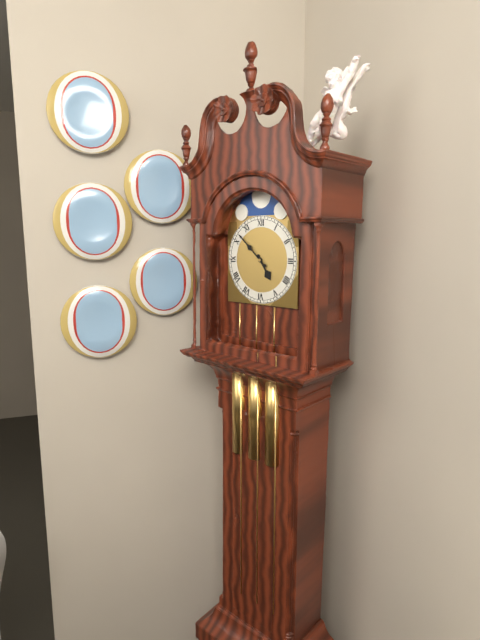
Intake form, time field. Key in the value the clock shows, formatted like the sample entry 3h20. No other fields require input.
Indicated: 4h52
